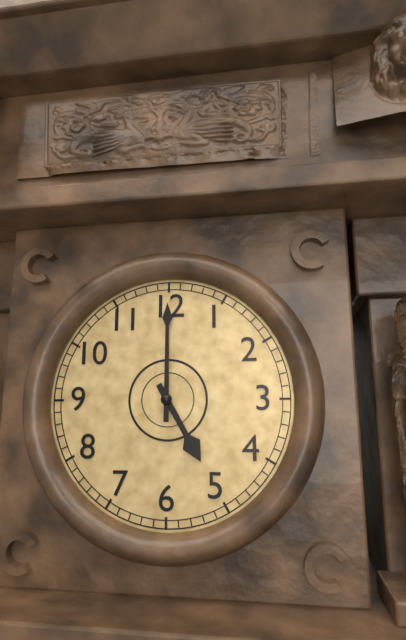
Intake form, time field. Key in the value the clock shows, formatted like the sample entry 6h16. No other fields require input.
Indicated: 5h00
